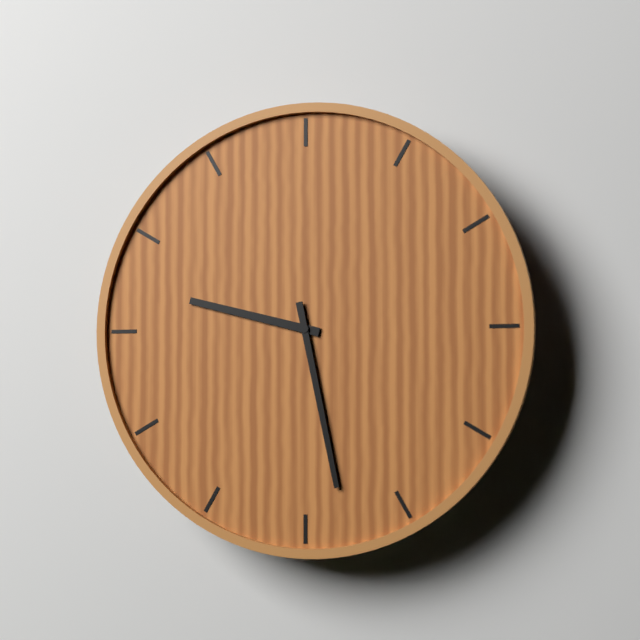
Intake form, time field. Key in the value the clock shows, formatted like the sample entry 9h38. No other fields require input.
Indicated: 9h28
